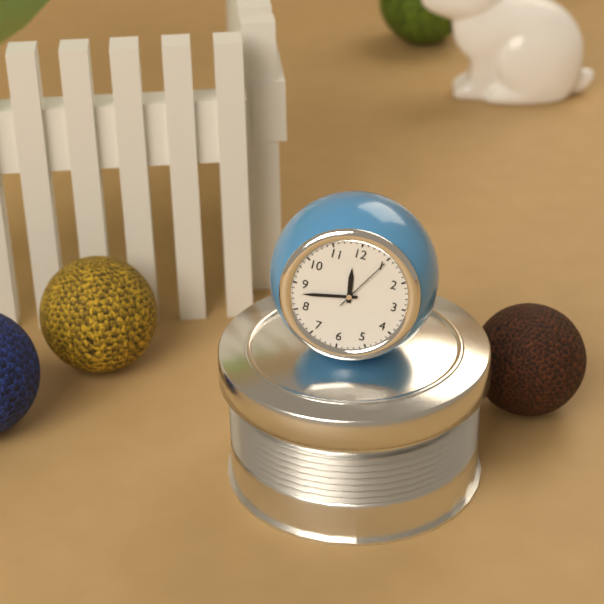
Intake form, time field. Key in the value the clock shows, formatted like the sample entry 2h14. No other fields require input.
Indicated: 11h43
